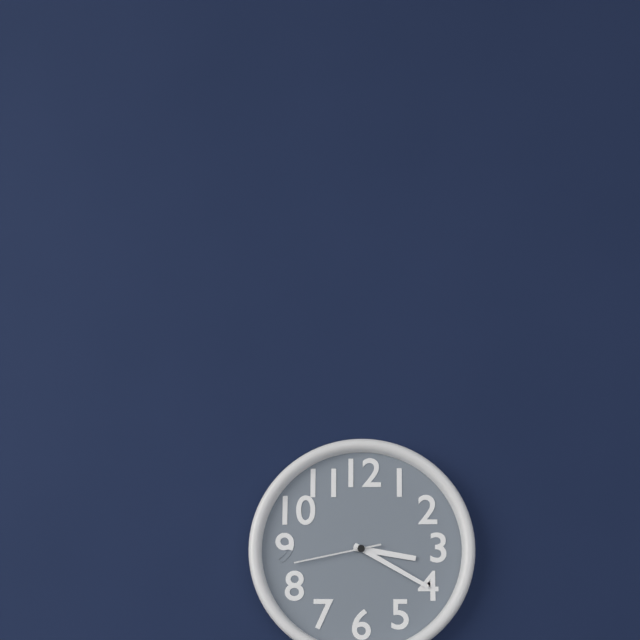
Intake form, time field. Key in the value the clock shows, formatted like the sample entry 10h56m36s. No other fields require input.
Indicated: 3h20m43s
